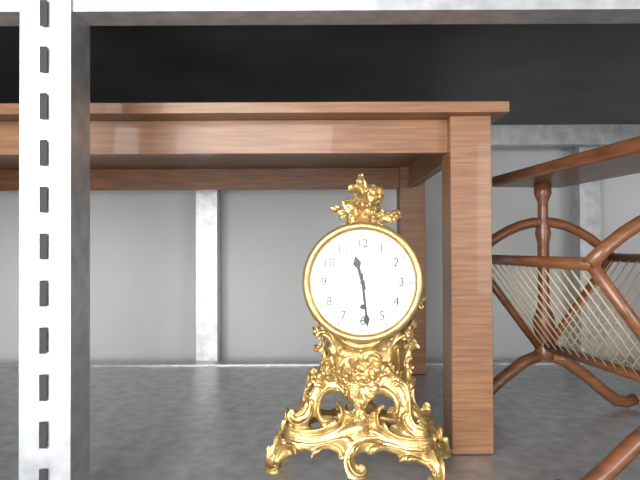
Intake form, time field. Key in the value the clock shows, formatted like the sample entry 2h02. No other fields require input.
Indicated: 11h29
